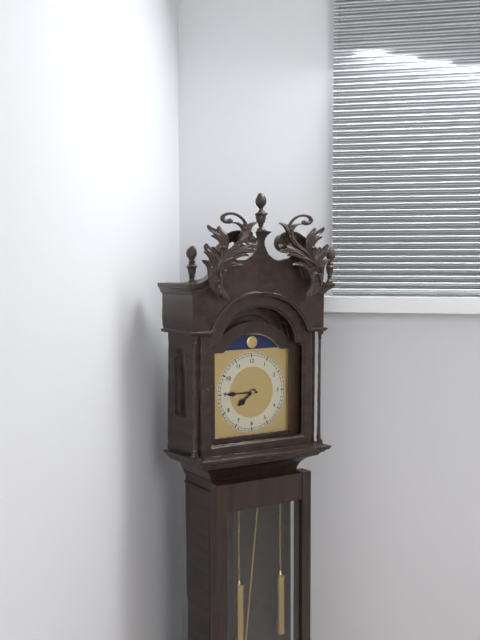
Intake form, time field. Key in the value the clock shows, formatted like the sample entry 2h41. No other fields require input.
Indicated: 7h45
